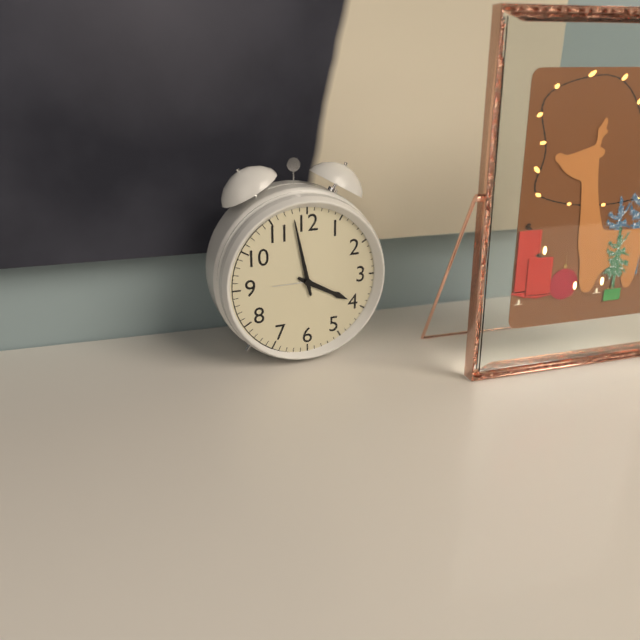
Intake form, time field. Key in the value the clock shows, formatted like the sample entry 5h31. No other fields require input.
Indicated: 3h58
